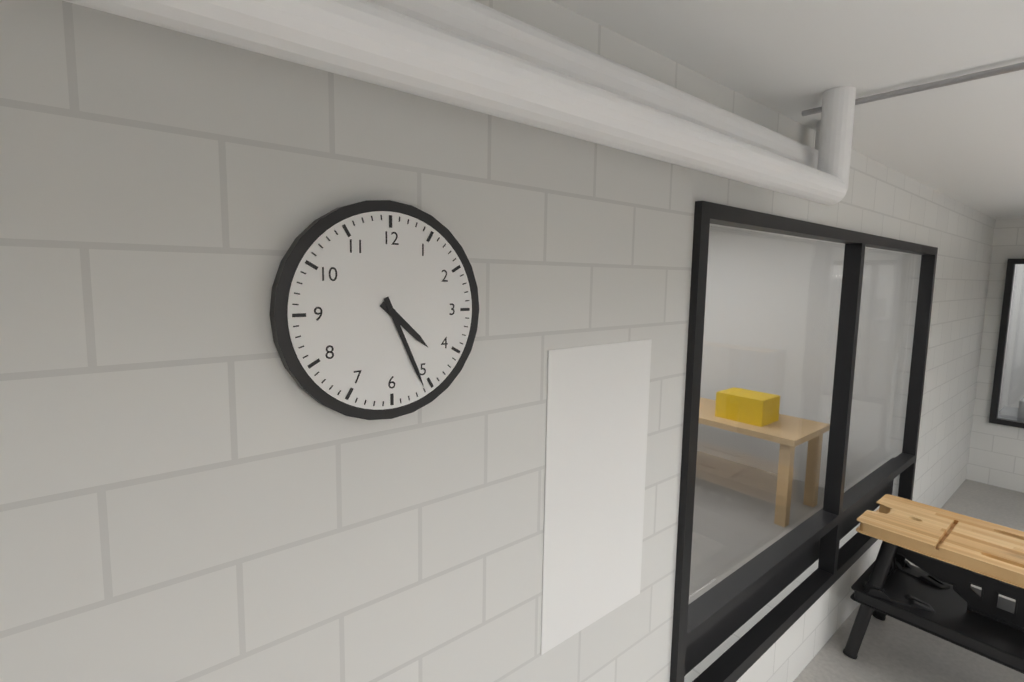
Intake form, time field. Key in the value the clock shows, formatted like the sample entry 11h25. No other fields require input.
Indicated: 4h26
